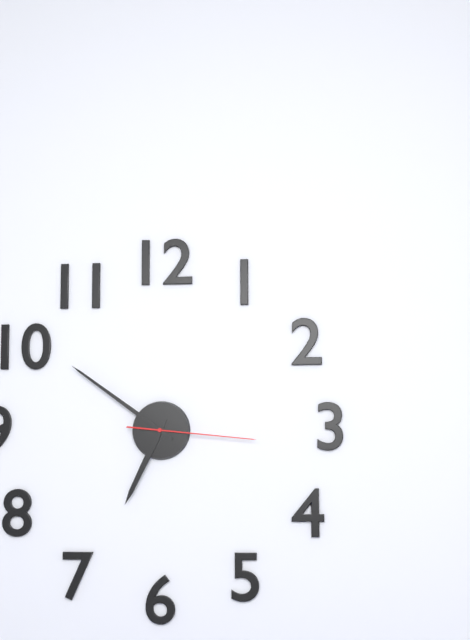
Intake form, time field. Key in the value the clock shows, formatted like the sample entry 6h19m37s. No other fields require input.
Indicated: 6h51m16s
